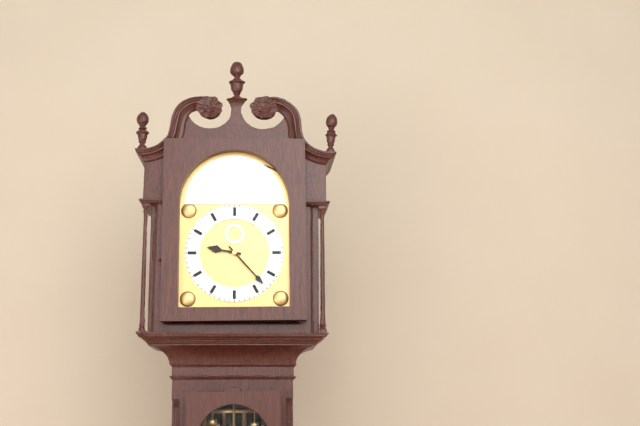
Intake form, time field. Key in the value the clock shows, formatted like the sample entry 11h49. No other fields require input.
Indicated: 9h23
